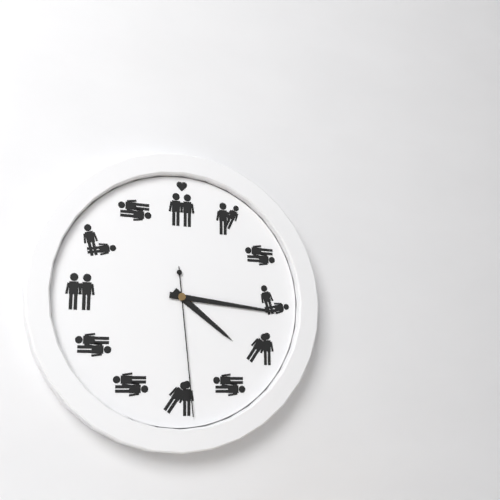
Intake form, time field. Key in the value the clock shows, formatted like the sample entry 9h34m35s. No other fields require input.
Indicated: 4h16m29s
